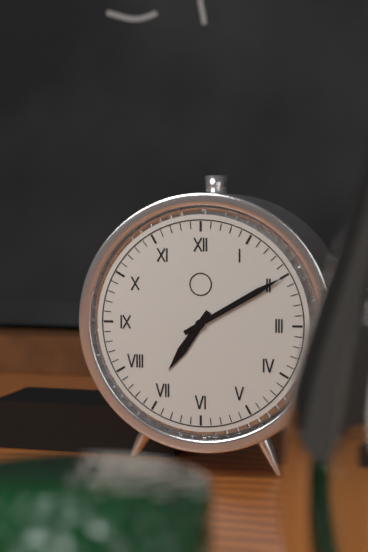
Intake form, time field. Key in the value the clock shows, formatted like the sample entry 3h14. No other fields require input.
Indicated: 7h10
